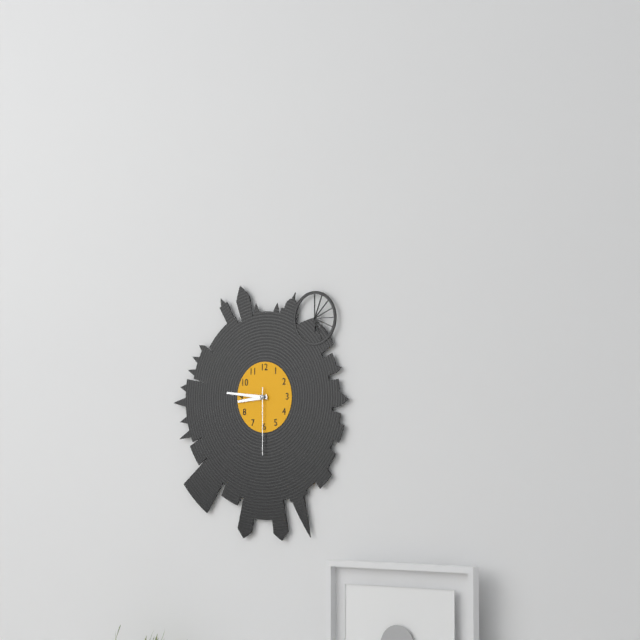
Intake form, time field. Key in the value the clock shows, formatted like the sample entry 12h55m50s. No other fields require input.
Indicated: 8h46m30s
